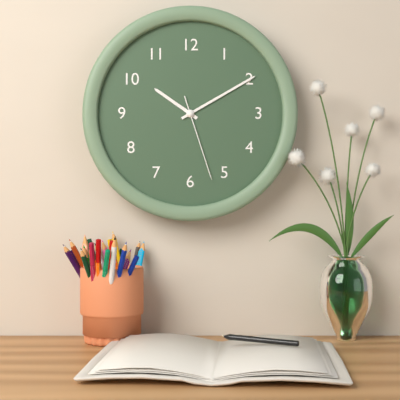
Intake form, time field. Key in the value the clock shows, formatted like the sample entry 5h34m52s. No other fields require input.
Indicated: 10h10m27s
